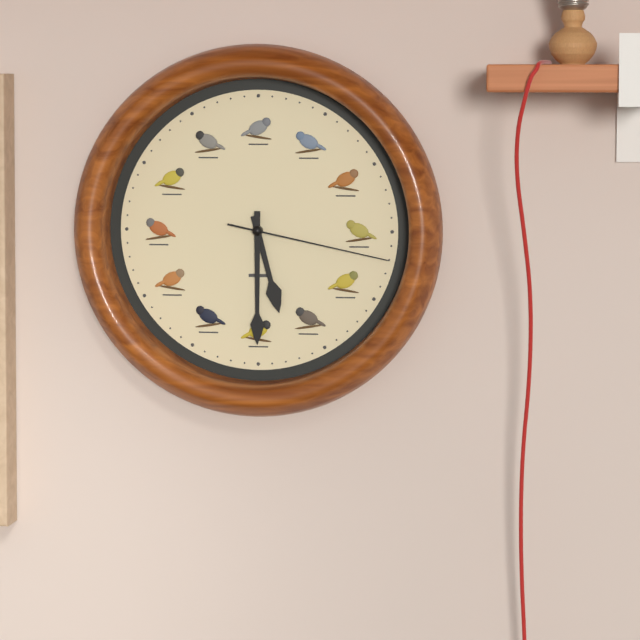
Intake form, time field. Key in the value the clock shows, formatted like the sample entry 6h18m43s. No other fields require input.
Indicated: 5h30m17s
